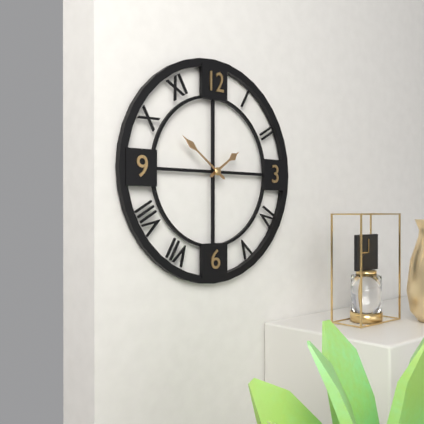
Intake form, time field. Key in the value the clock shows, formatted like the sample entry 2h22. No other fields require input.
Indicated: 1h51
